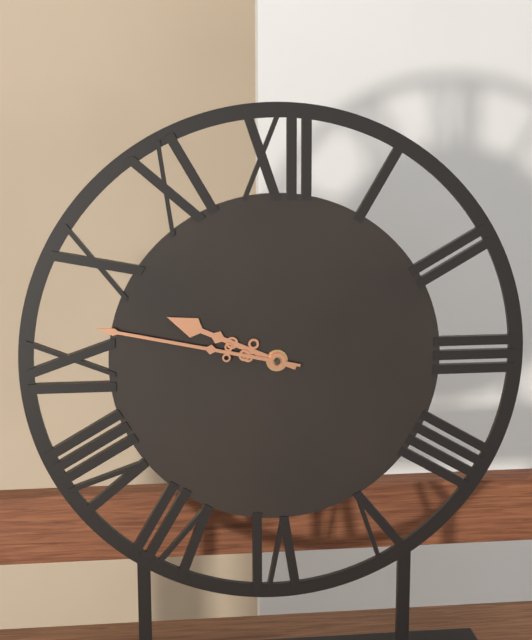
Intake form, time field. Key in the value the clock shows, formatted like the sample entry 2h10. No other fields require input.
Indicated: 9h47
